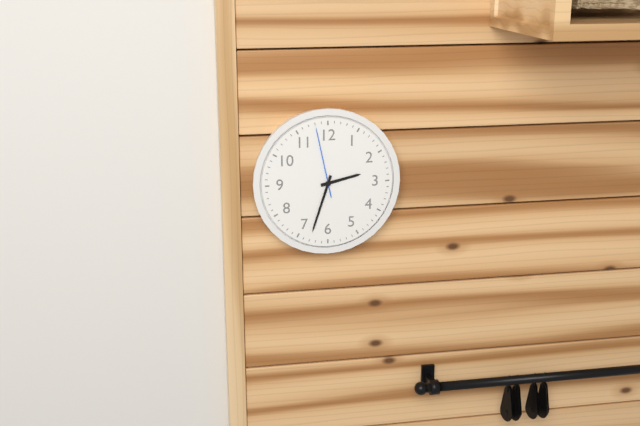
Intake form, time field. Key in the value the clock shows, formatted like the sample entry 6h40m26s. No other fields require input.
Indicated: 2h33m58s
